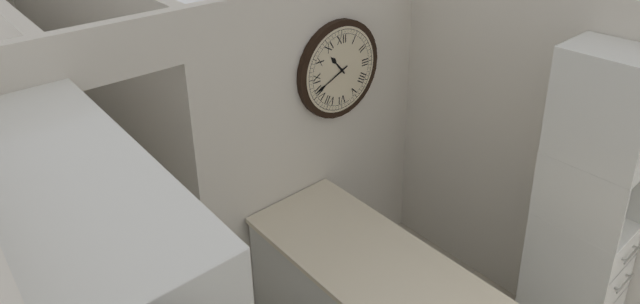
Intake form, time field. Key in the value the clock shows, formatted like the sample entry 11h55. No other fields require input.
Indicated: 10h41
